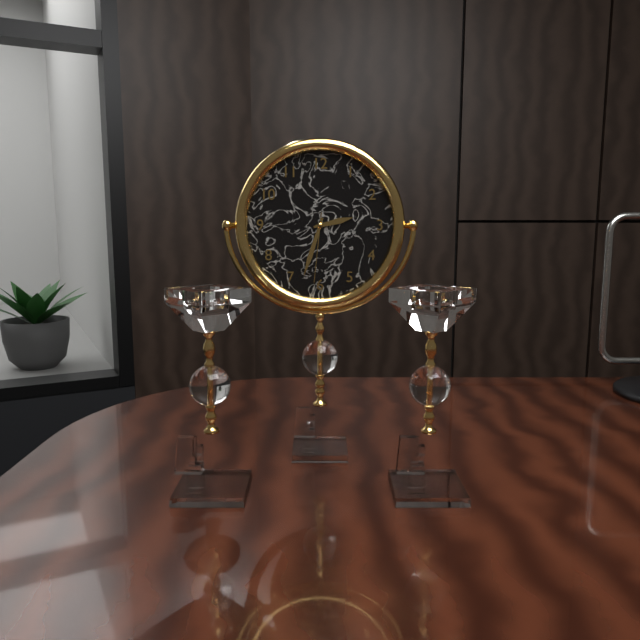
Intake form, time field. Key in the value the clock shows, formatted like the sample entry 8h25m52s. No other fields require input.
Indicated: 2h33m31s
